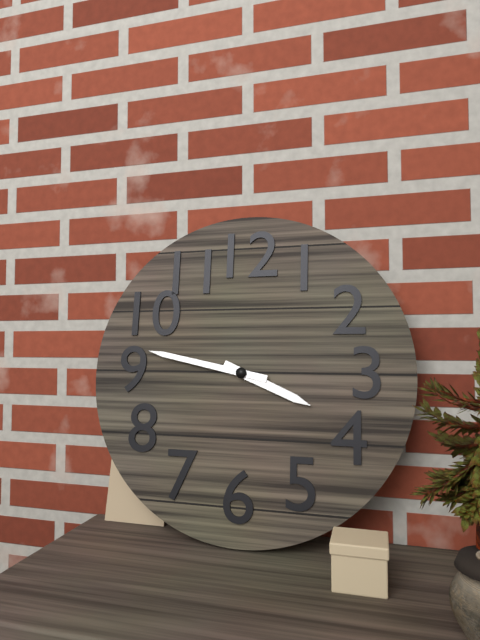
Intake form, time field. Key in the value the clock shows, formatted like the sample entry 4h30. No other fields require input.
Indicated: 3h47
